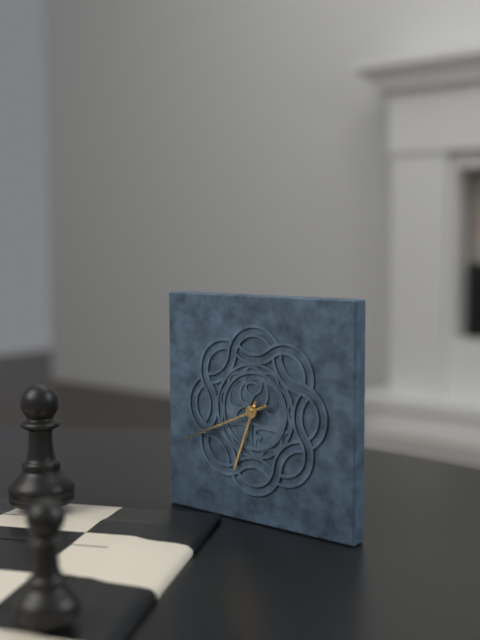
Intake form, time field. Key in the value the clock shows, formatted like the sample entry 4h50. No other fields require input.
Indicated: 6h41
